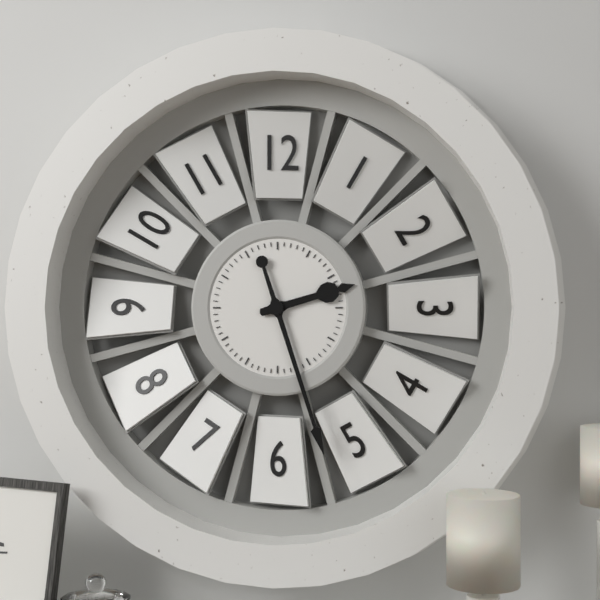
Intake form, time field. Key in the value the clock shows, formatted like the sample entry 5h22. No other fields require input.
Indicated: 2h27
